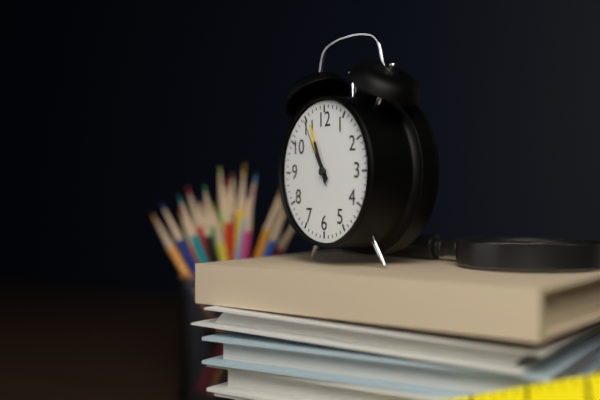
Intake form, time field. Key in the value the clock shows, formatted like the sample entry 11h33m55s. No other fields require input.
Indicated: 10h56m55s
